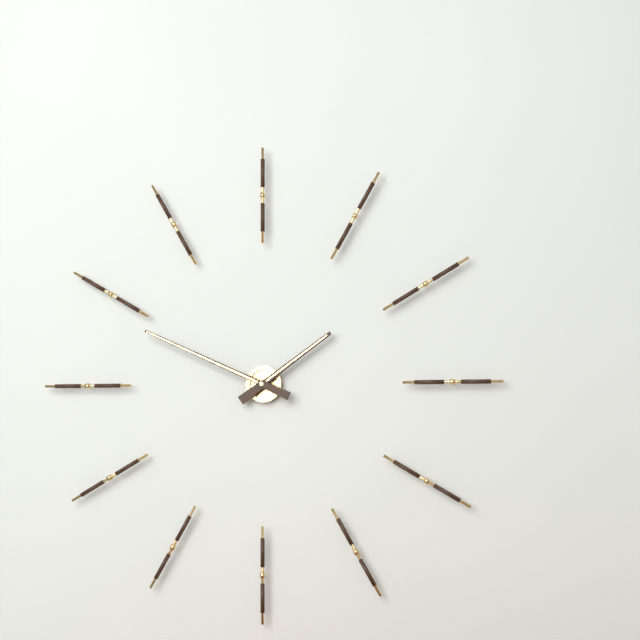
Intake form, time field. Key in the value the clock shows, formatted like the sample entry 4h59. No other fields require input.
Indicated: 1h49
